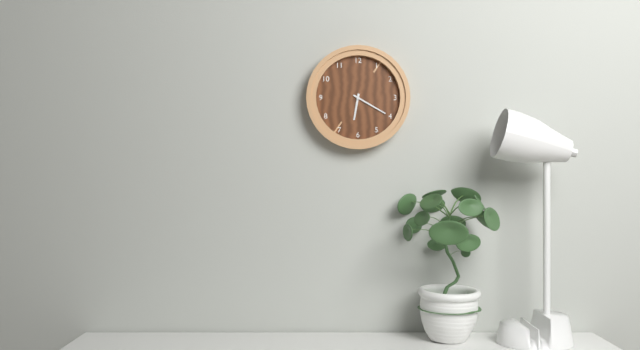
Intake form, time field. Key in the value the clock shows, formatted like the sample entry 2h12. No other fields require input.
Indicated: 6h20
